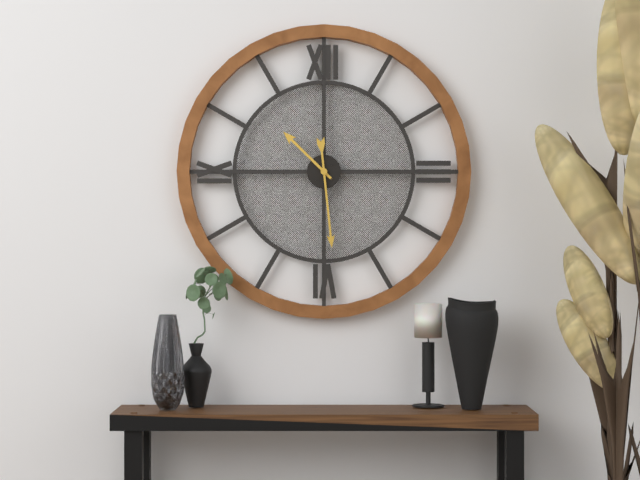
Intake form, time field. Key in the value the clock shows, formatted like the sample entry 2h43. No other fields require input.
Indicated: 10h29
